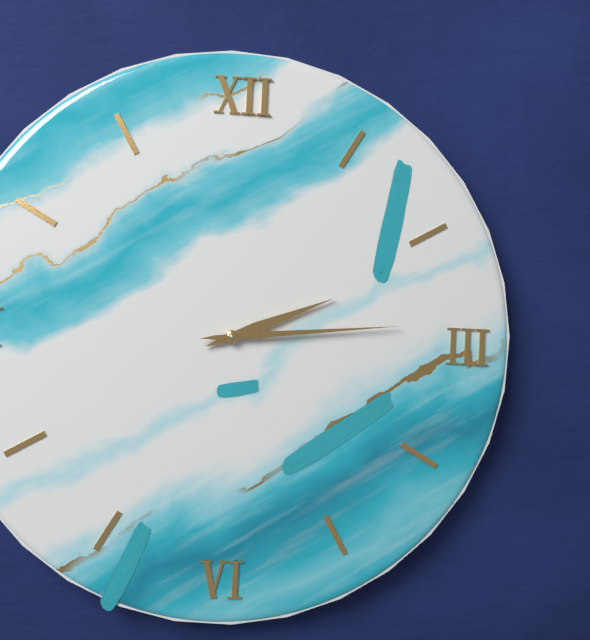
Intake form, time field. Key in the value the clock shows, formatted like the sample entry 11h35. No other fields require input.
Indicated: 2h14
